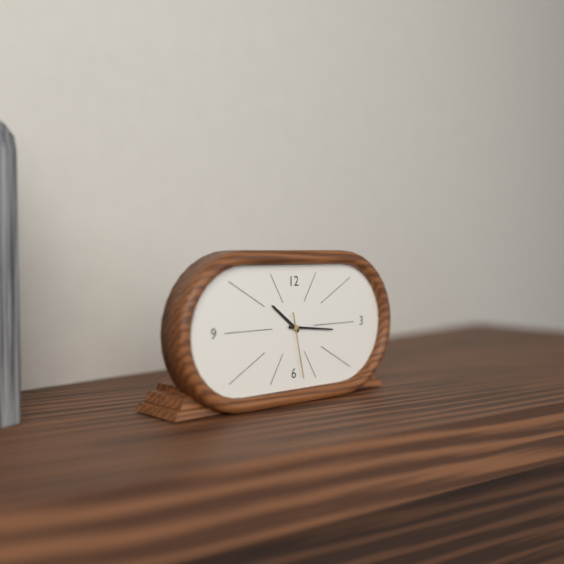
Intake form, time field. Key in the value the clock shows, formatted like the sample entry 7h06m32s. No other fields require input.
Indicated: 10h16m28s
